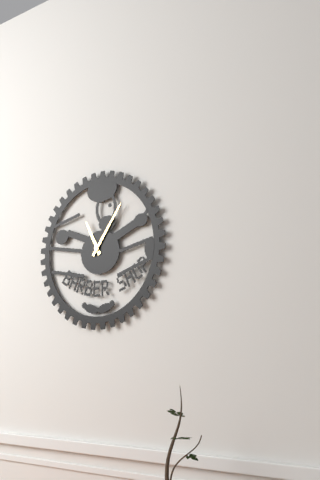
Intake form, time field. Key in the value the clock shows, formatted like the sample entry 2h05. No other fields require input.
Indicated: 11h06
